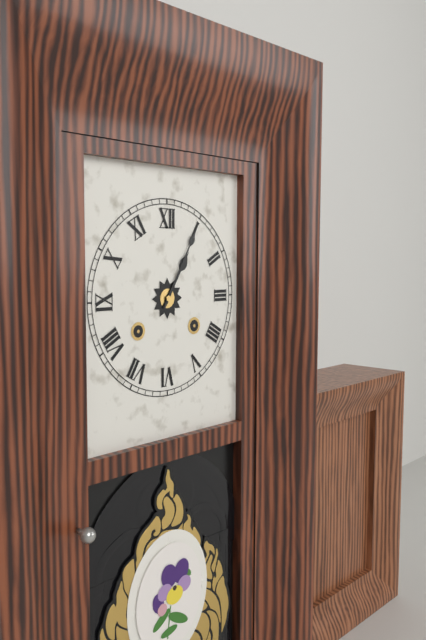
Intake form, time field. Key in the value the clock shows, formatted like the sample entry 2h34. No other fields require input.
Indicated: 1h05
